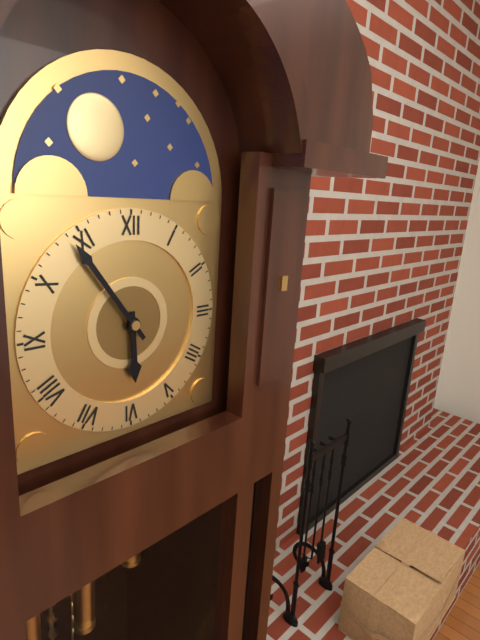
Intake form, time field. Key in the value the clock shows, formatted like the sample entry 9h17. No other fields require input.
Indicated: 5h54
